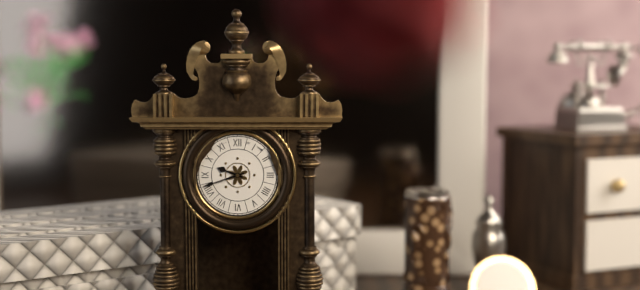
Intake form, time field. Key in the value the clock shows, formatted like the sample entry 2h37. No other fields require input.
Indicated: 9h42
